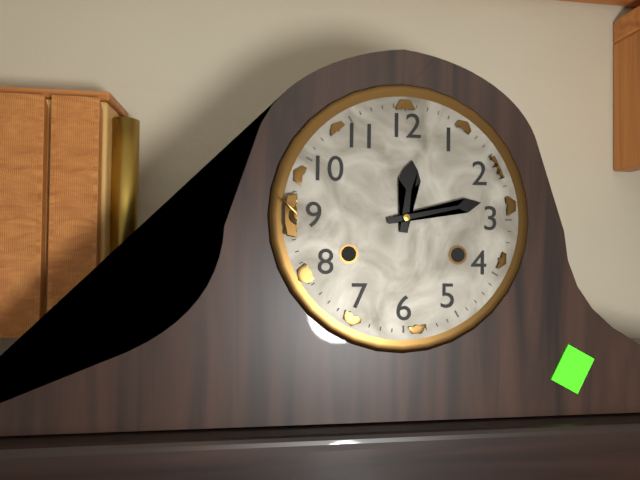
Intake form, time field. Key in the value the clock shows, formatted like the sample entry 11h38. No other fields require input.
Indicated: 12h13
